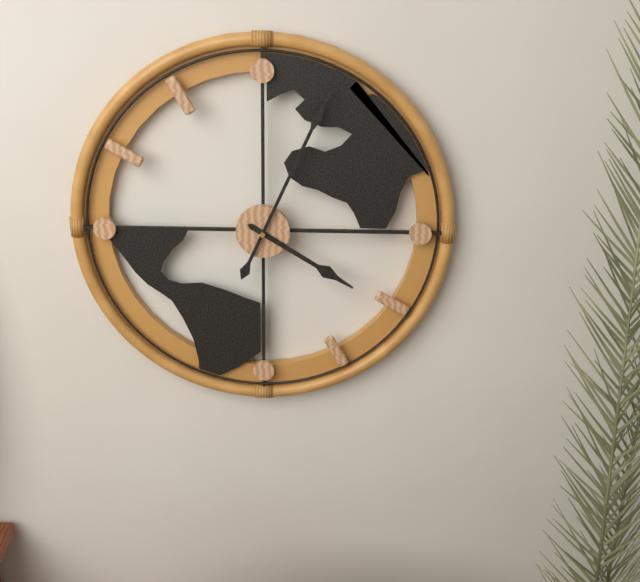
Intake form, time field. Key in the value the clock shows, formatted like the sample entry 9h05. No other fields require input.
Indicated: 4h04
